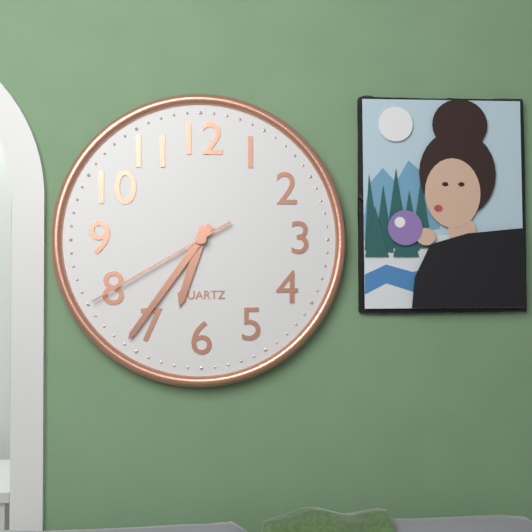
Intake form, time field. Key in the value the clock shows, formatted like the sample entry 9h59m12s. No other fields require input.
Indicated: 6h36m40s
